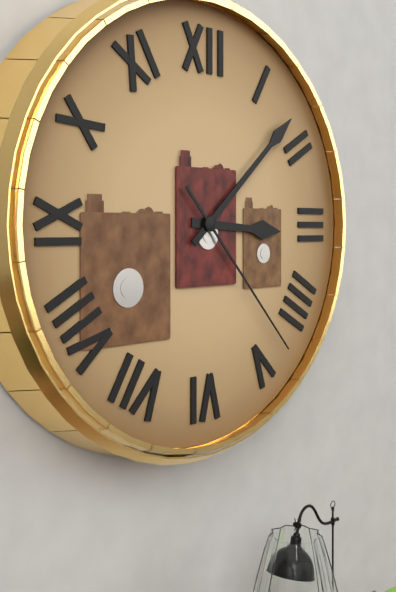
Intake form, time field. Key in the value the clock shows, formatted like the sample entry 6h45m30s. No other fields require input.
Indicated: 3h08m23s
